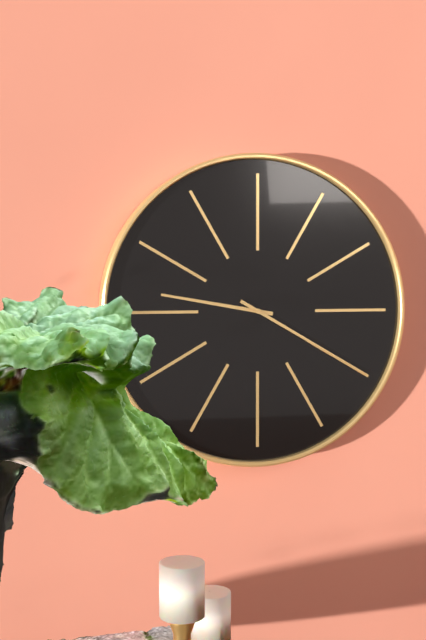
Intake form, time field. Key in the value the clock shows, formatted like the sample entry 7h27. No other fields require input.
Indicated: 9h20
